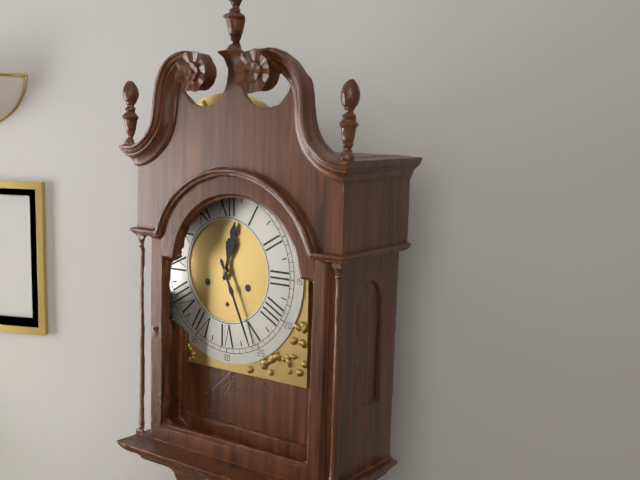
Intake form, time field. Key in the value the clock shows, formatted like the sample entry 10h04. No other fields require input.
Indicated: 12h26
